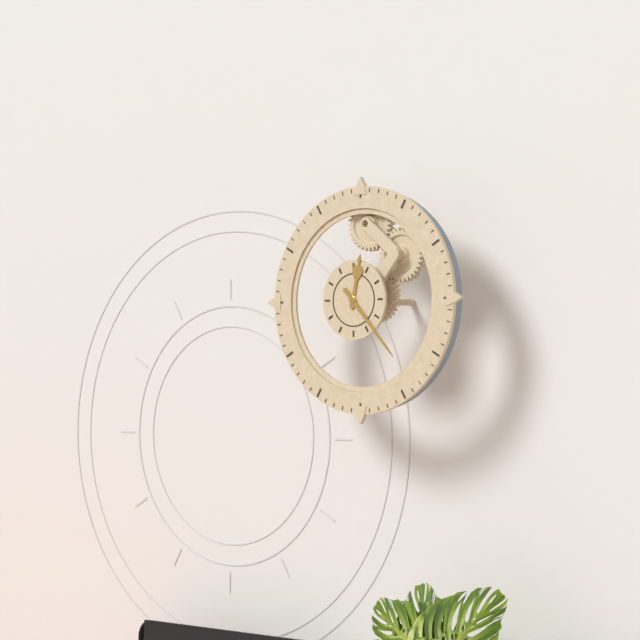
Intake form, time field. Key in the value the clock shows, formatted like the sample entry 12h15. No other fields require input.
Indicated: 12h23
